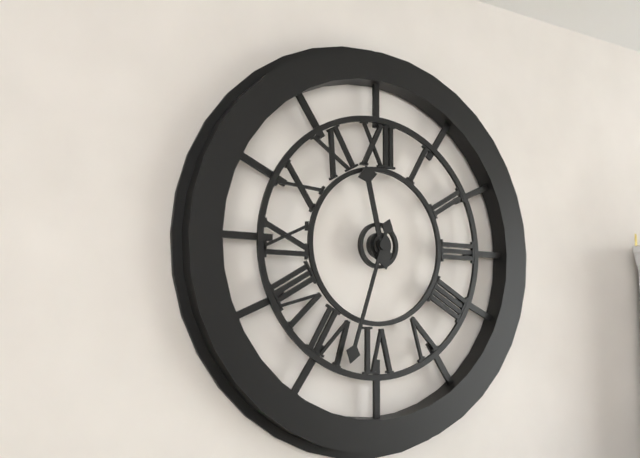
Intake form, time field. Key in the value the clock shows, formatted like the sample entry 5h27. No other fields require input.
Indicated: 11h33
